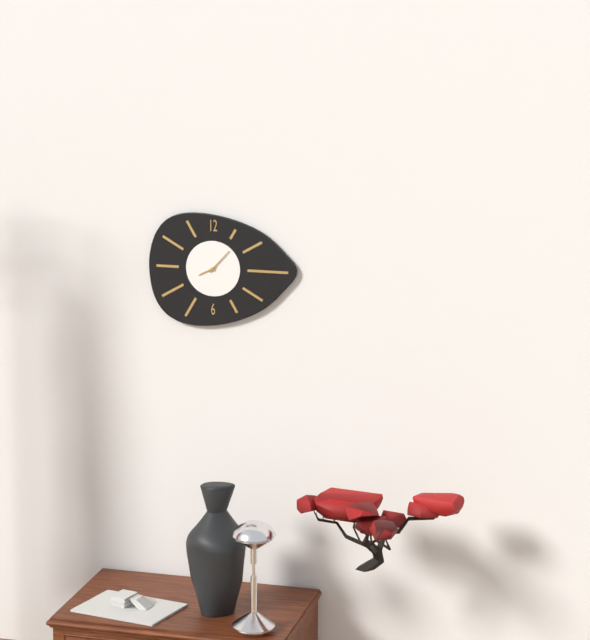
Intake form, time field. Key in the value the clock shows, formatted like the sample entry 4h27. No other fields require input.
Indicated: 8h07
